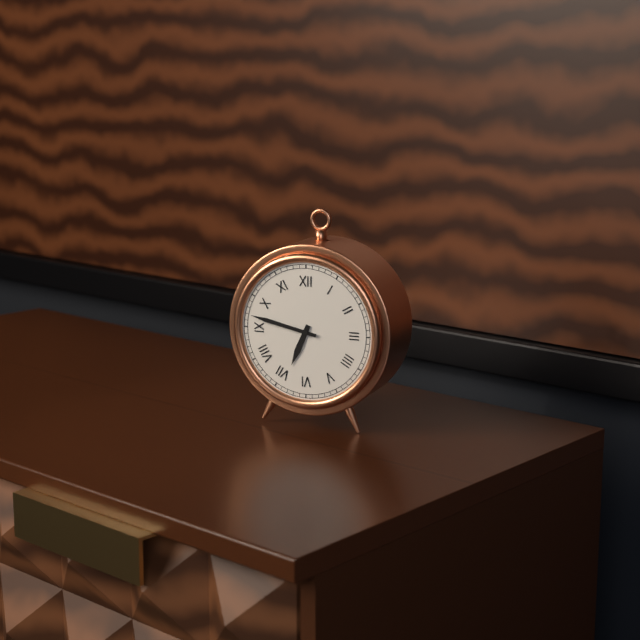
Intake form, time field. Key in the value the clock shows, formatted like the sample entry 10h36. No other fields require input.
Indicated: 6h47
